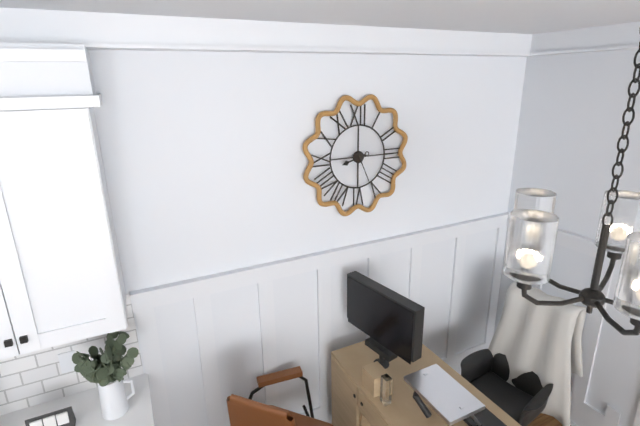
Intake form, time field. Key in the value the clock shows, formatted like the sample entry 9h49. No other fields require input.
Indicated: 8h26
